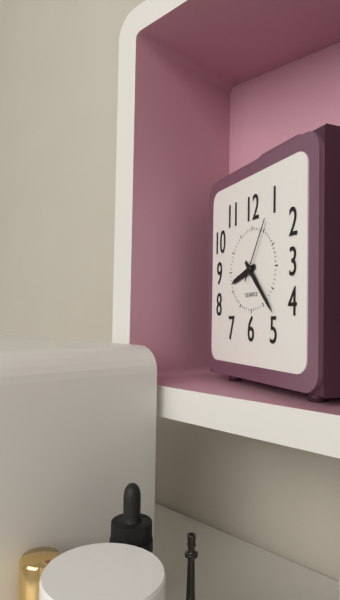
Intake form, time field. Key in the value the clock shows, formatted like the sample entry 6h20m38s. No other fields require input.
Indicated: 8h23m05s
